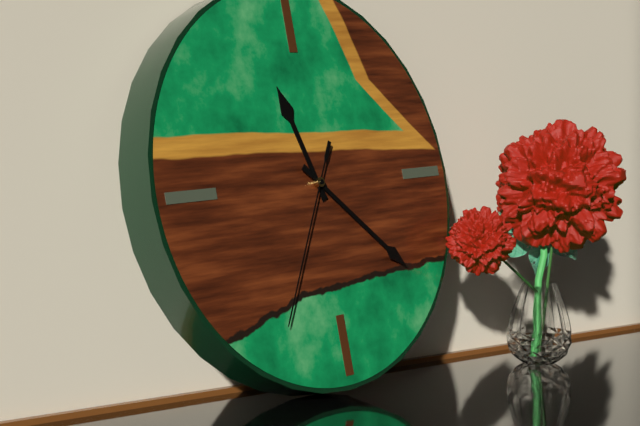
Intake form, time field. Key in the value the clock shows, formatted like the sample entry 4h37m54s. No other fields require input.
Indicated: 11h22m35s
